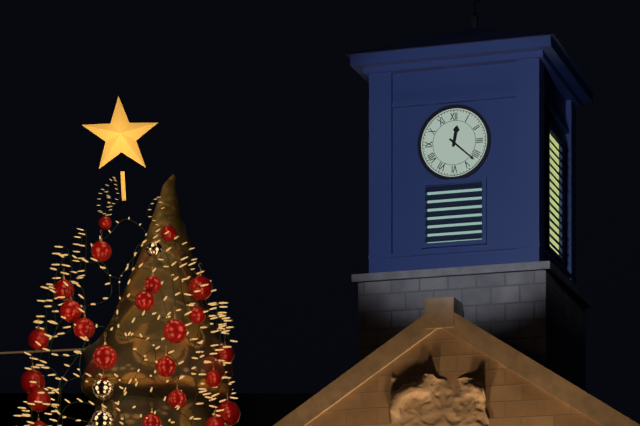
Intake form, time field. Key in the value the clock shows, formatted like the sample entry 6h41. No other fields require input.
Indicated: 12h22
